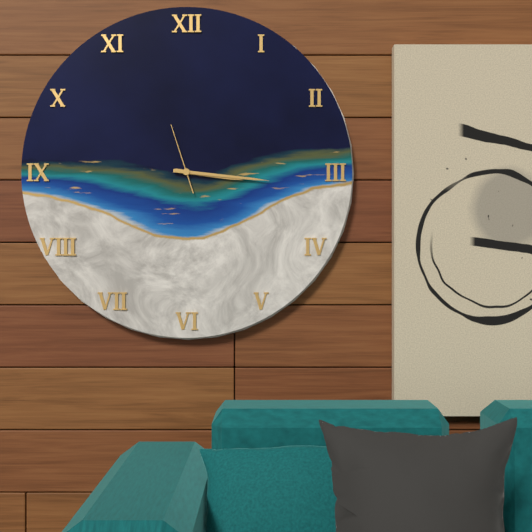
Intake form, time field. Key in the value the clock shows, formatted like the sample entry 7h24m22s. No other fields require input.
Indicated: 3h16m57s
